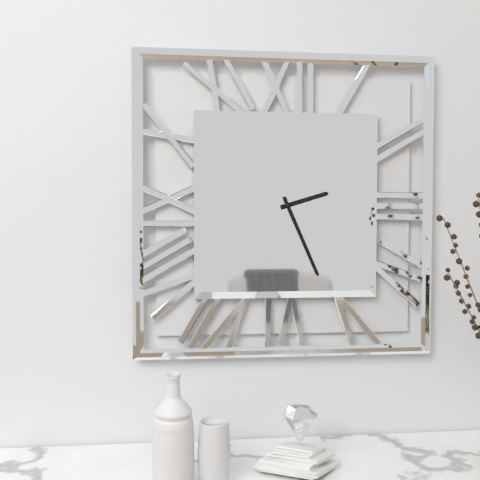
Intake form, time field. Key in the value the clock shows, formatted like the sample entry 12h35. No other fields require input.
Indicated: 2h26
